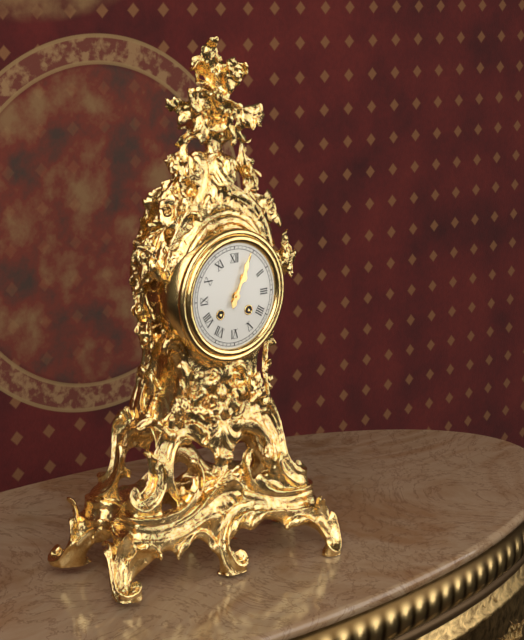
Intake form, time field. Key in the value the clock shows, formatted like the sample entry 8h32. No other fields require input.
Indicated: 1h04
